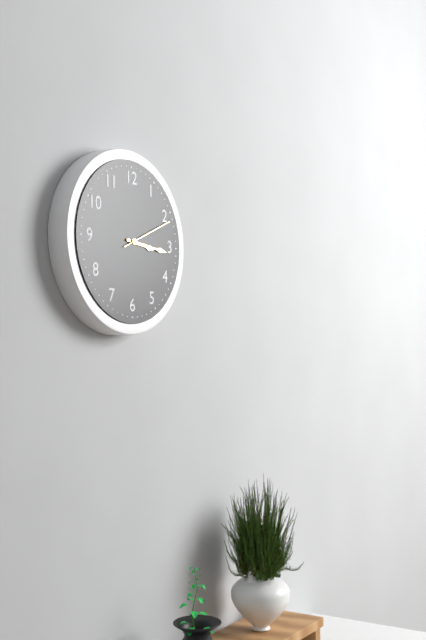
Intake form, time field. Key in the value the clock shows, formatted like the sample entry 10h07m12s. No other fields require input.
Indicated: 3h16m11s
